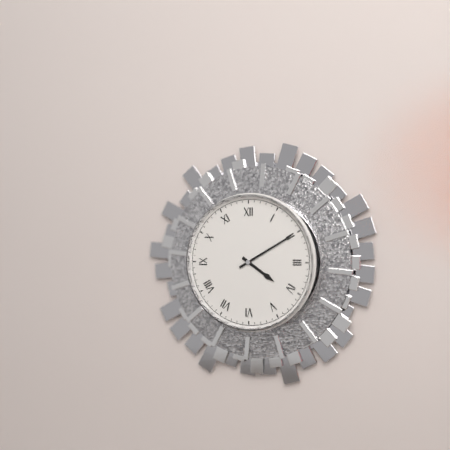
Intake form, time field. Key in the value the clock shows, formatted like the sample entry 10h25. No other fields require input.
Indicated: 4h10
